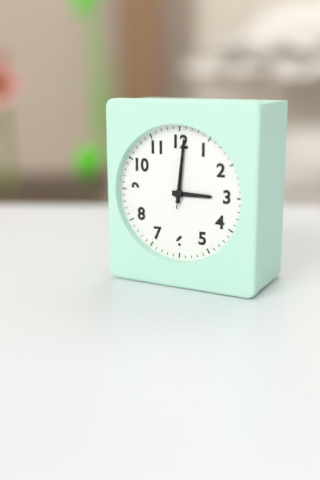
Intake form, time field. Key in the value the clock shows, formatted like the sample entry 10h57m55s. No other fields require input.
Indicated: 3h01m01s
